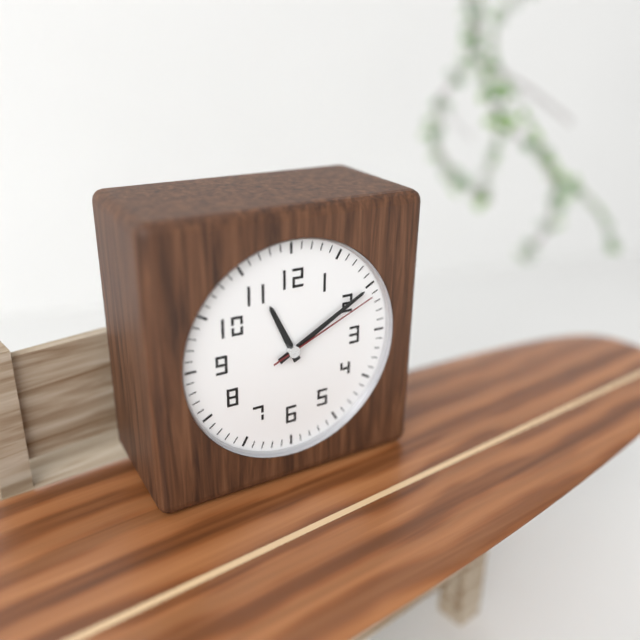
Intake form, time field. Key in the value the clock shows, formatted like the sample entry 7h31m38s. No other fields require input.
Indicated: 11h10m11s
